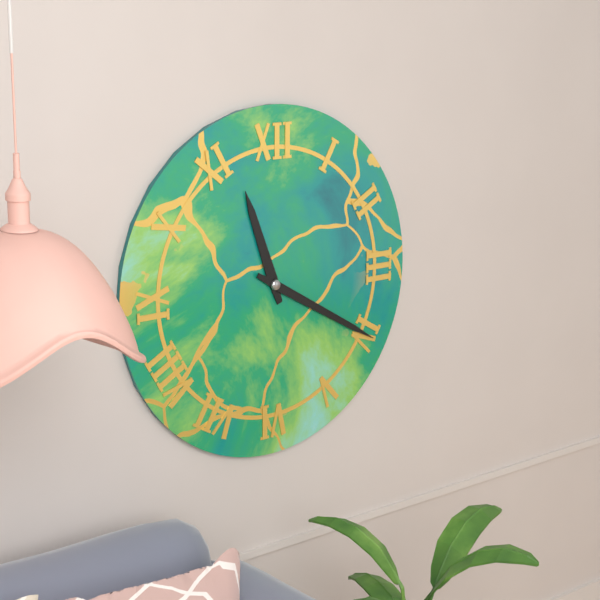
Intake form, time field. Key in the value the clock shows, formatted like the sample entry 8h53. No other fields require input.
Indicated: 11h20
